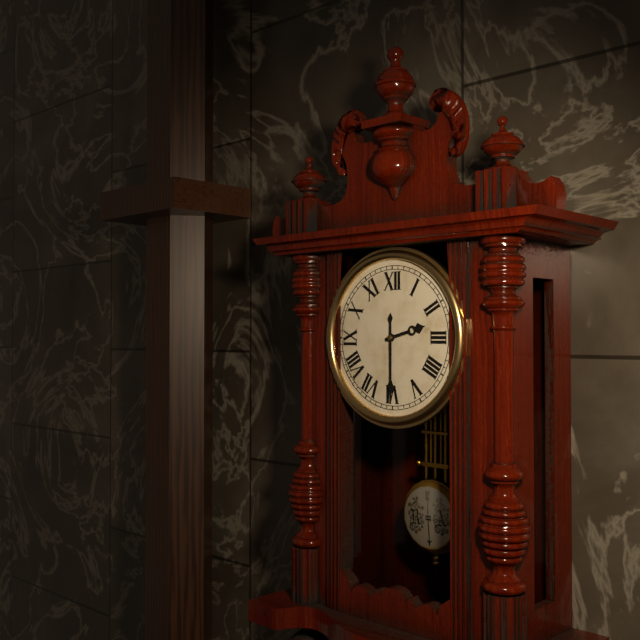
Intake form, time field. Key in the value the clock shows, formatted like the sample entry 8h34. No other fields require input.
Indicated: 2h30
